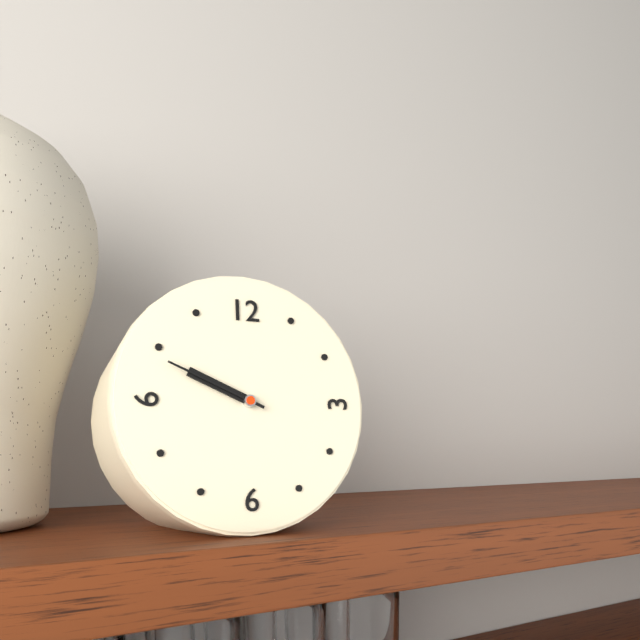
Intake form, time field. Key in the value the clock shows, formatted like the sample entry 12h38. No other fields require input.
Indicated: 9h49
